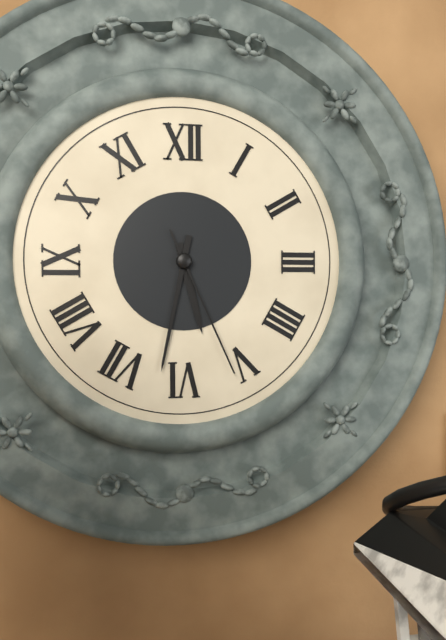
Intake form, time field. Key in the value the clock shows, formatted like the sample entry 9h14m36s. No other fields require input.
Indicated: 5h32m26s
